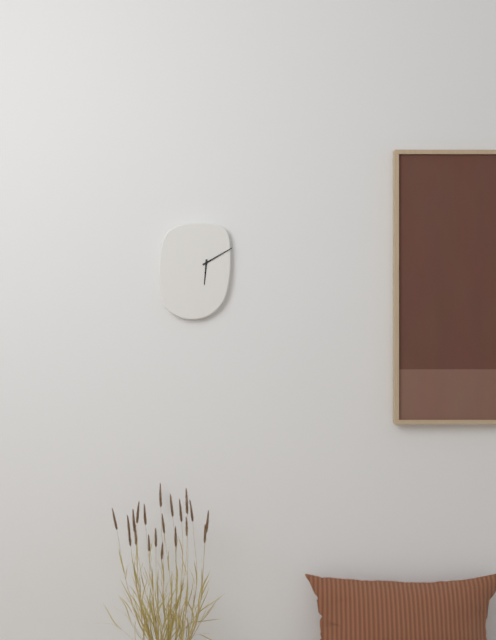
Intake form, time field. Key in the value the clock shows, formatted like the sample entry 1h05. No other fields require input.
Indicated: 6h10
